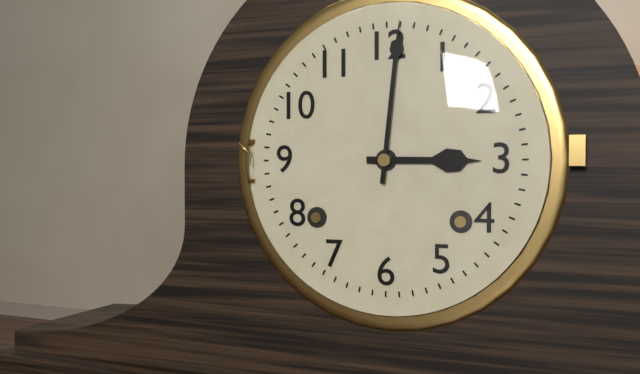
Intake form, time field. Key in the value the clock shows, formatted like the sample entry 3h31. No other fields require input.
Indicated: 3h01
